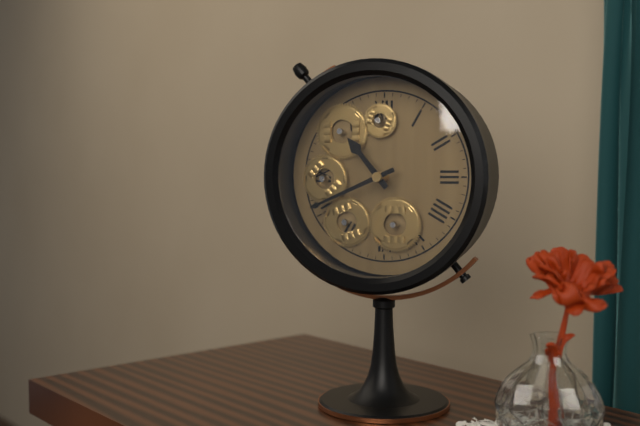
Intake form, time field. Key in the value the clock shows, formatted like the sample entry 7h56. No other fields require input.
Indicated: 10h41
